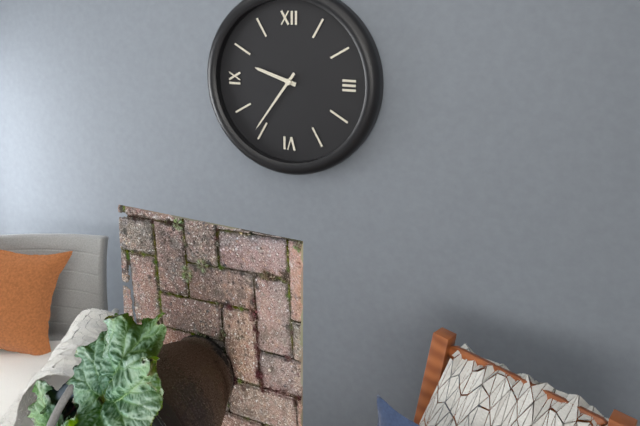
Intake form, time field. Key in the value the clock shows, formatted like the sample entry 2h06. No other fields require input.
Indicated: 9h36
